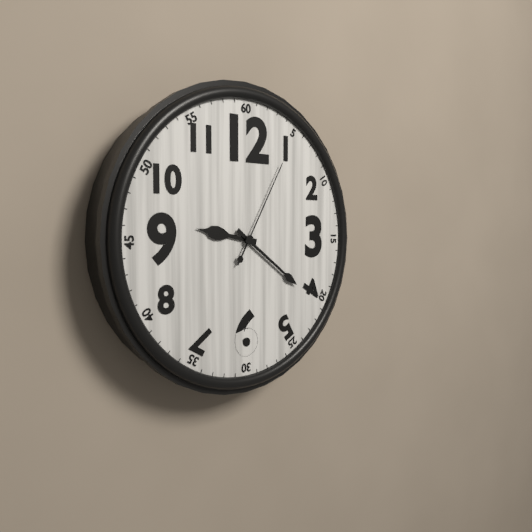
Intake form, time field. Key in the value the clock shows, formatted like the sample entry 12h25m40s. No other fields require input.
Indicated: 9h21m05s
